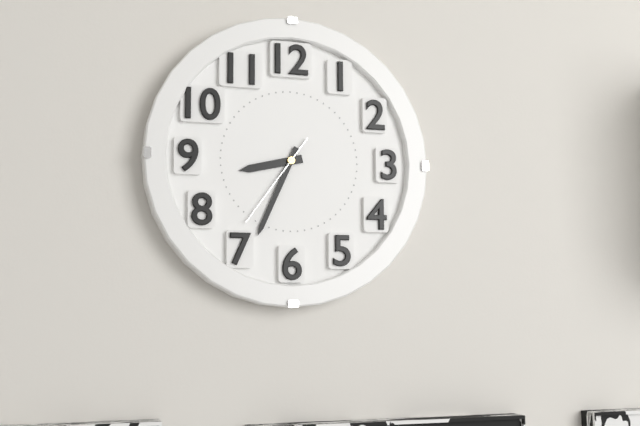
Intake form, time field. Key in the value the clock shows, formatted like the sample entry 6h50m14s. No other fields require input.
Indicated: 8h34m36s
